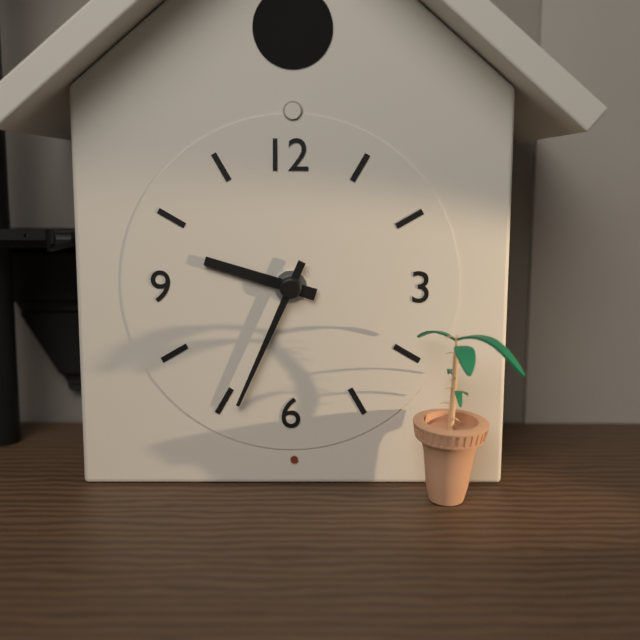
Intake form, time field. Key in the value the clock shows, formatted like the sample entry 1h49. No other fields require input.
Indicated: 9h34
